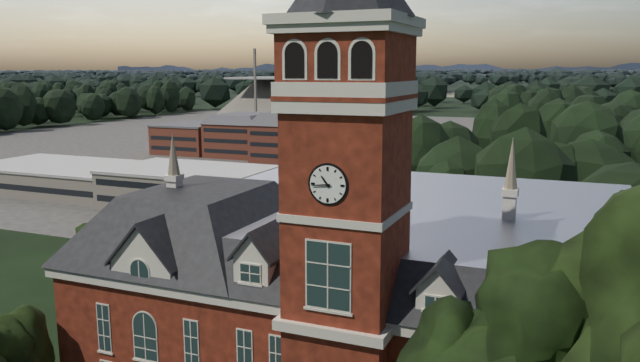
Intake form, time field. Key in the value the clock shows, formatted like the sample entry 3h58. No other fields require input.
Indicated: 10h44
